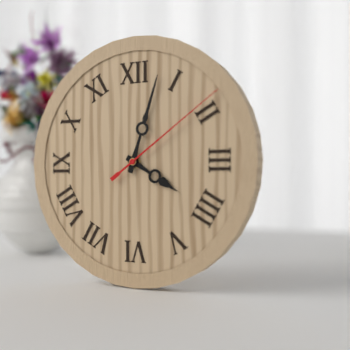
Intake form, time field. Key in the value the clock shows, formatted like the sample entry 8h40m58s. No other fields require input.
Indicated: 4h03m09s
